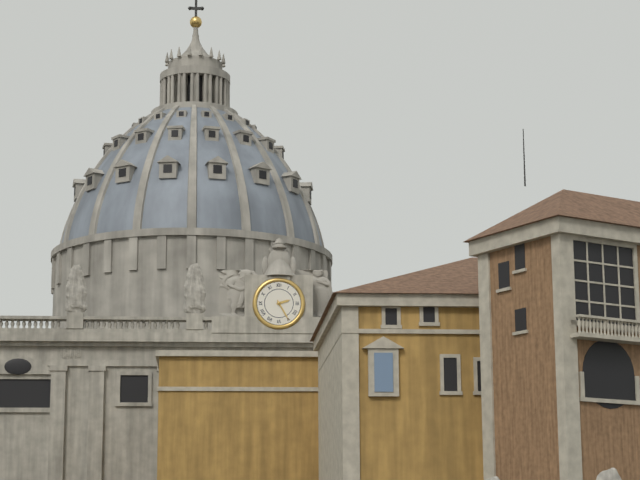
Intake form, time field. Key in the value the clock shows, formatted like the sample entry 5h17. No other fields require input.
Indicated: 2h25
